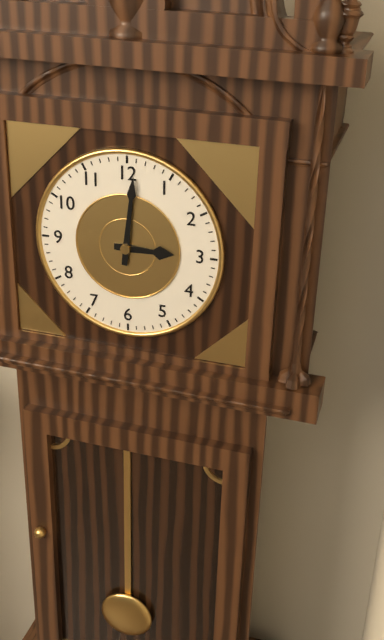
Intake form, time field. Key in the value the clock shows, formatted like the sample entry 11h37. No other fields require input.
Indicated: 3h01
